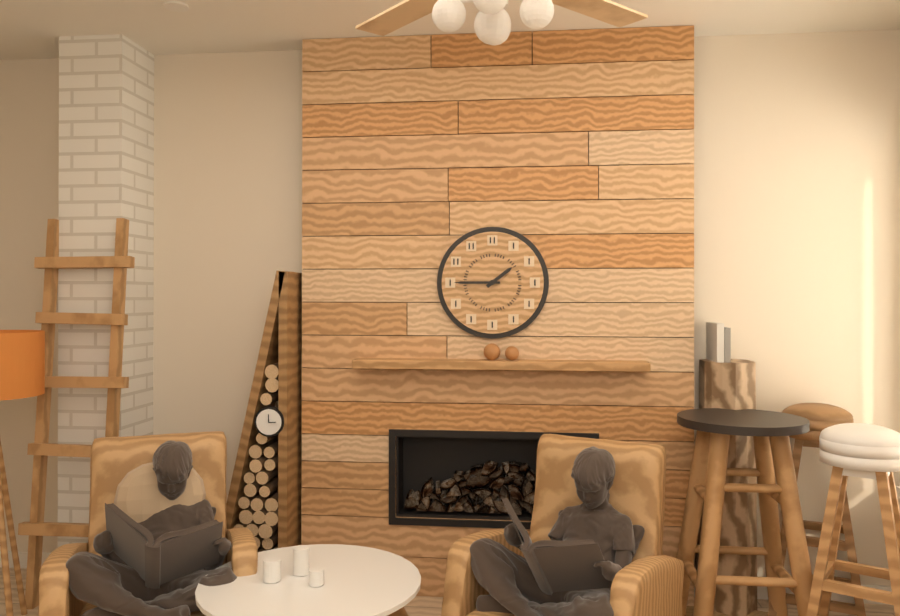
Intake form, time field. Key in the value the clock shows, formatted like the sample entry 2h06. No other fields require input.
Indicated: 1h45
